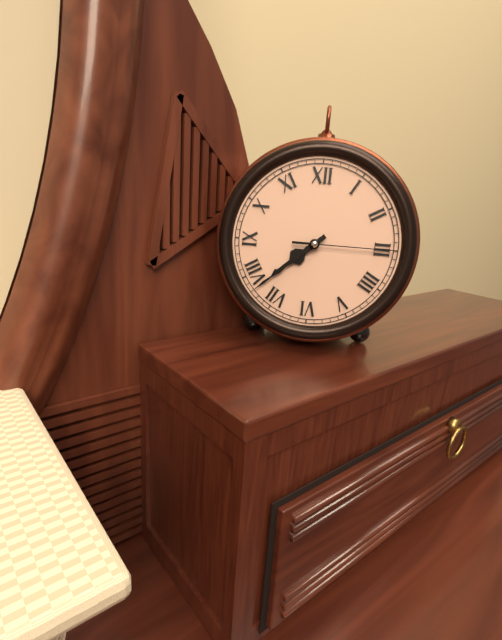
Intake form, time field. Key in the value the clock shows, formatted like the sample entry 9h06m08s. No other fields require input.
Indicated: 7h38m15s
